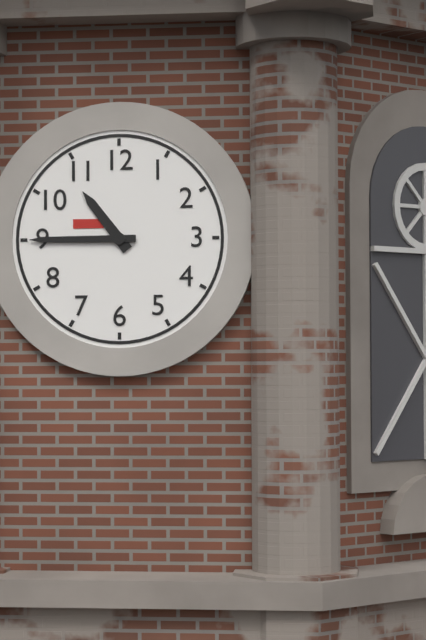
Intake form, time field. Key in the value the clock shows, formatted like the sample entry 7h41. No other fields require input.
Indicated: 10h45
